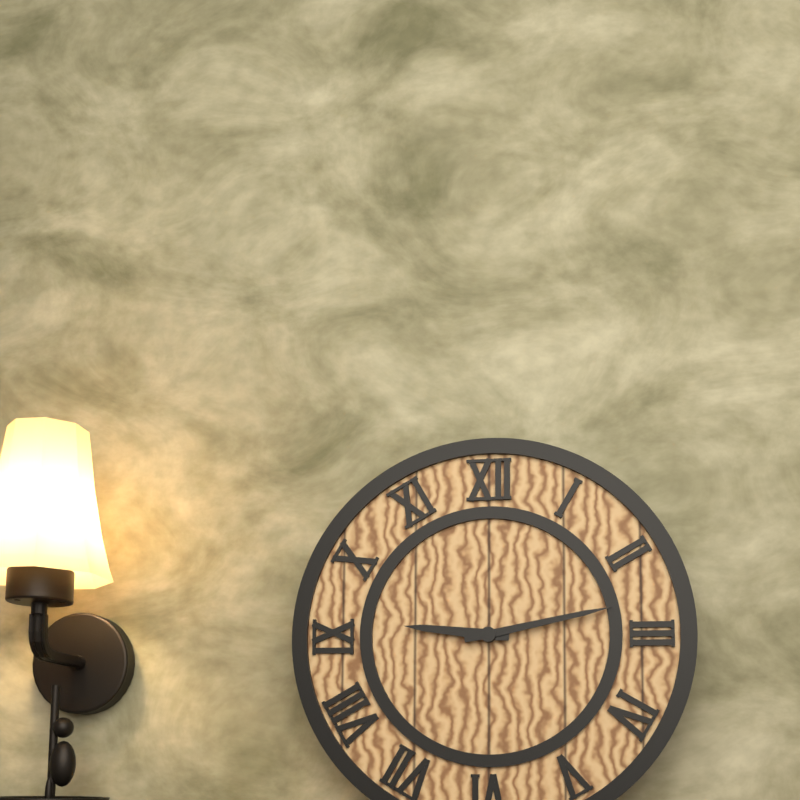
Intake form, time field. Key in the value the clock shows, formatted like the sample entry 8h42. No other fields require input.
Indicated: 9h13
